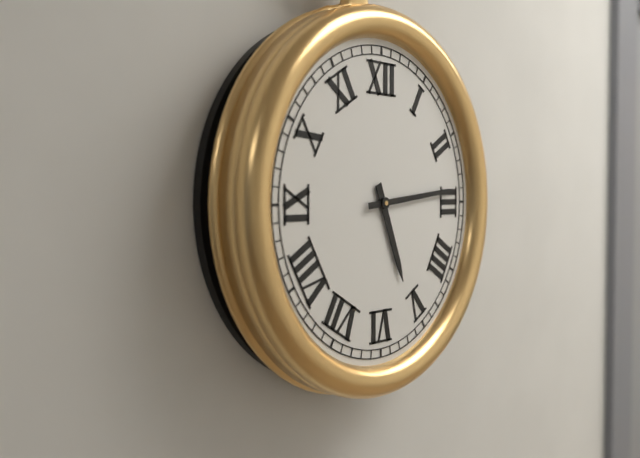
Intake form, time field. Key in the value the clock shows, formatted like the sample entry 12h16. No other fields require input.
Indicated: 5h14
